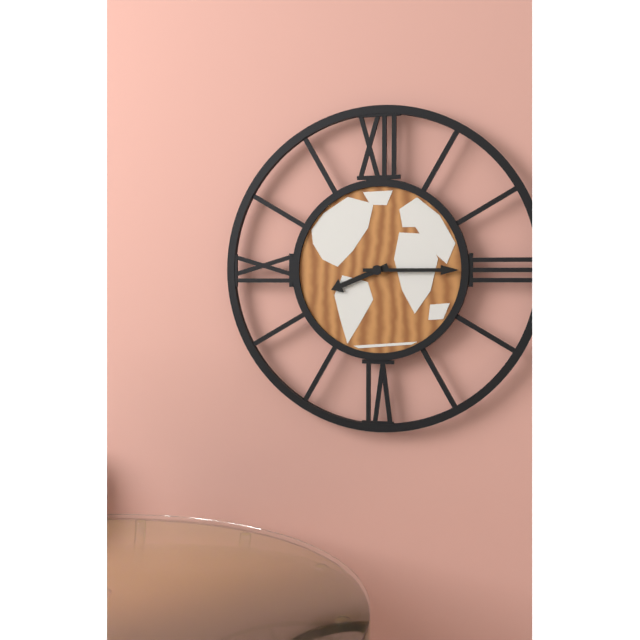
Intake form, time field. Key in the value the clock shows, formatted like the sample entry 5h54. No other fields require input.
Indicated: 8h15
